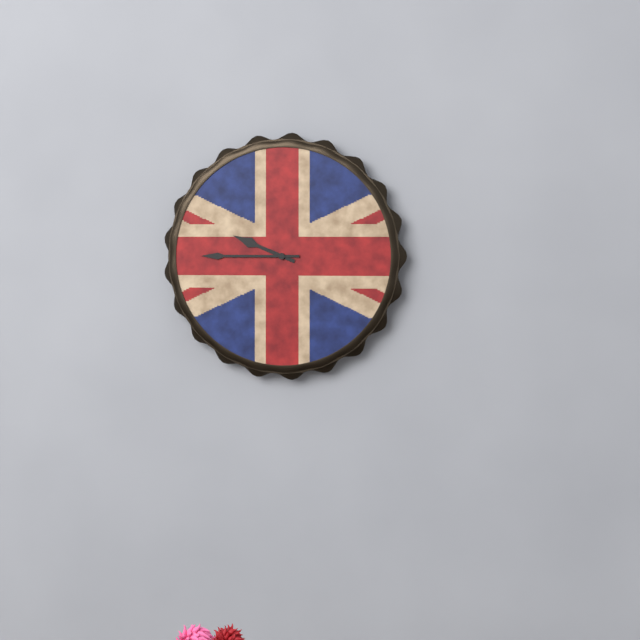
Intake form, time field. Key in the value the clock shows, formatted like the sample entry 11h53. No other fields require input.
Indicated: 9h45
